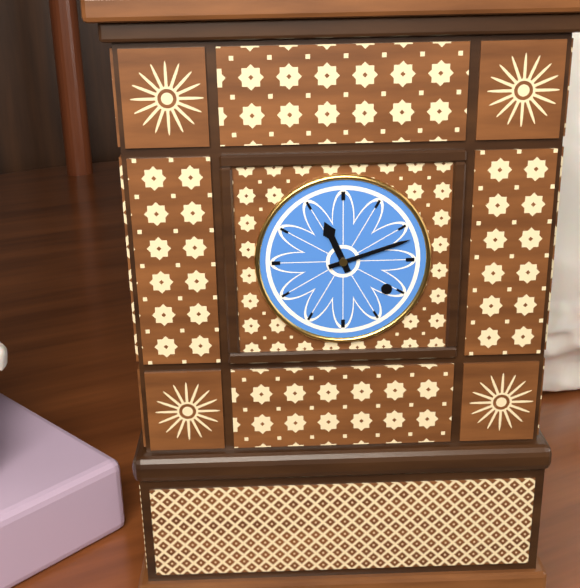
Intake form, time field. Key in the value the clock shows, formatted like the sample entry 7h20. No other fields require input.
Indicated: 11h12
